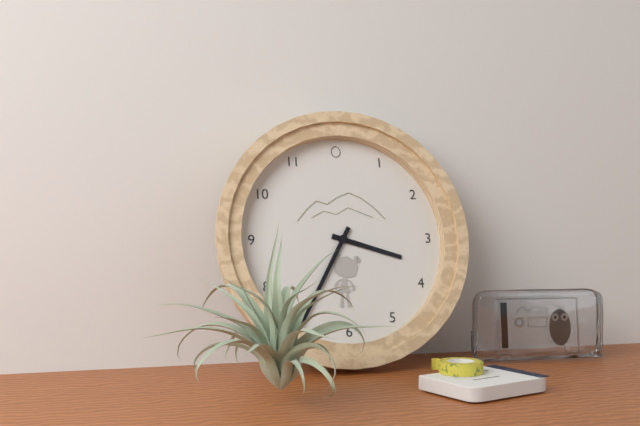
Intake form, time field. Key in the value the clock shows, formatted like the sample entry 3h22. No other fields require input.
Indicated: 3h35
